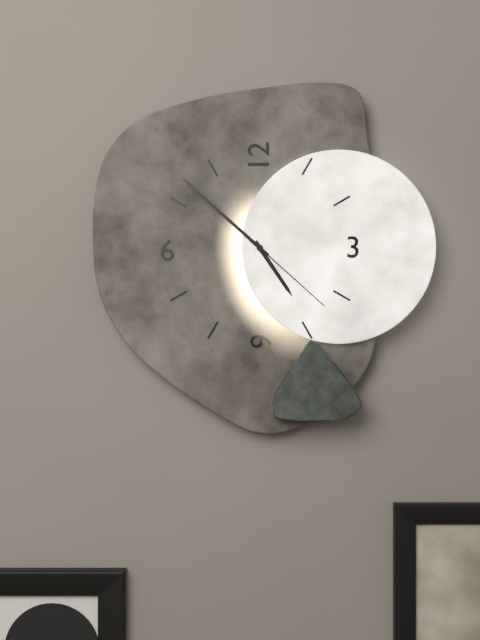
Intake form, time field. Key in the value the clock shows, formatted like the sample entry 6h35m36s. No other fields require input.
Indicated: 4h52m22s
